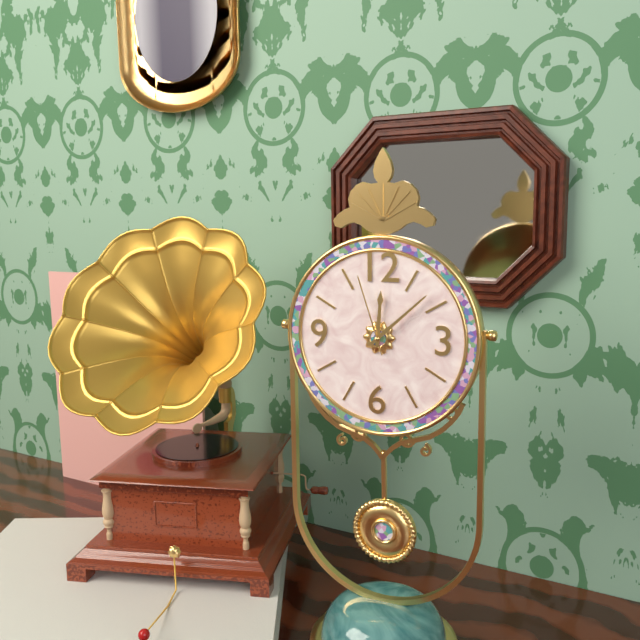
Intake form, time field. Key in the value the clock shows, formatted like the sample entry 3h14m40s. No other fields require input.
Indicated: 12h08m57s
